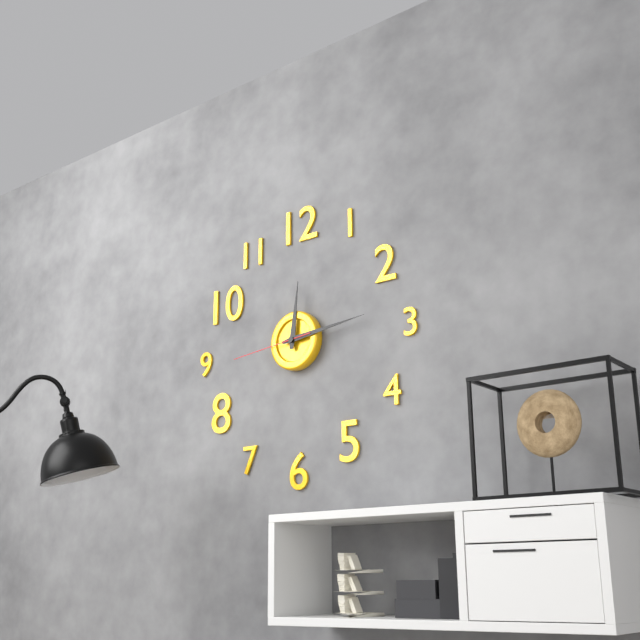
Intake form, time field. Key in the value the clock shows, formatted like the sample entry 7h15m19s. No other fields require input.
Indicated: 12h14m44s
